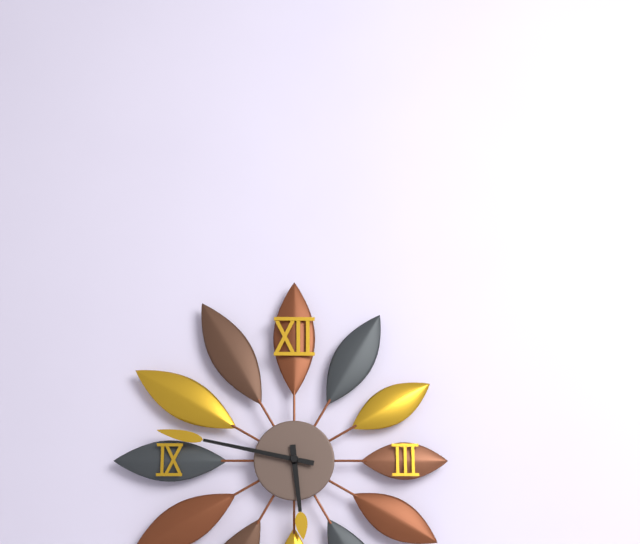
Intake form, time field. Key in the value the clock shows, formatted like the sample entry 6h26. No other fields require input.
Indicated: 5h47
